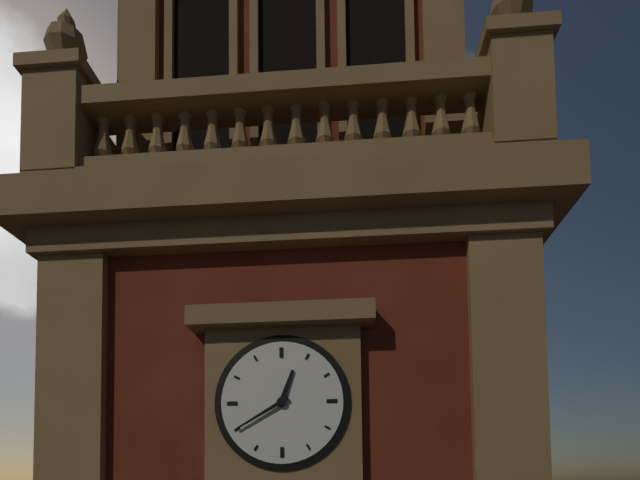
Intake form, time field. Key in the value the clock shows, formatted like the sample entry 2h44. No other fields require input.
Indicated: 12h40
